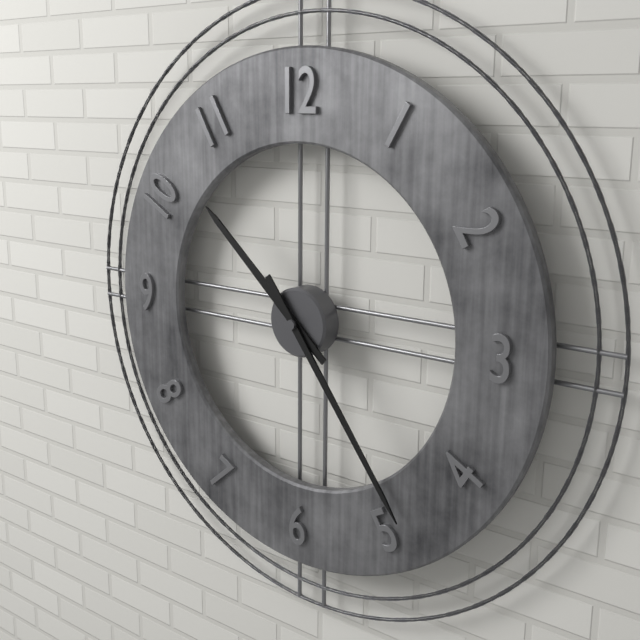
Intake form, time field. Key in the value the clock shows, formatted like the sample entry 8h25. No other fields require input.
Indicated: 10h24
